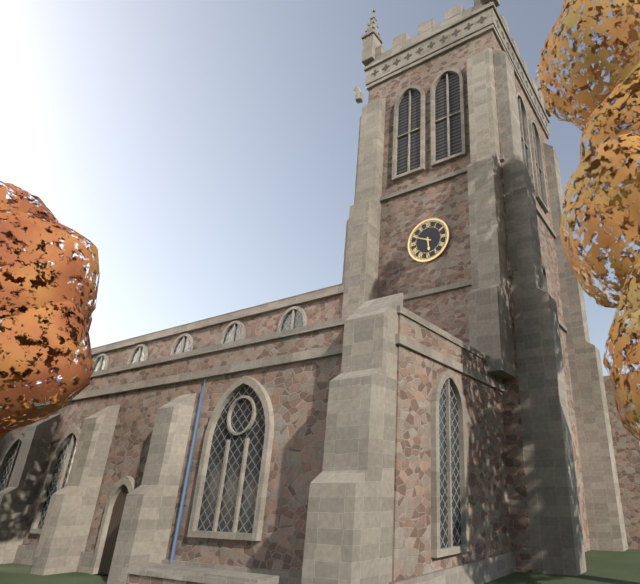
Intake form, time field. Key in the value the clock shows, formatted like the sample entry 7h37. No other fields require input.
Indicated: 5h49
